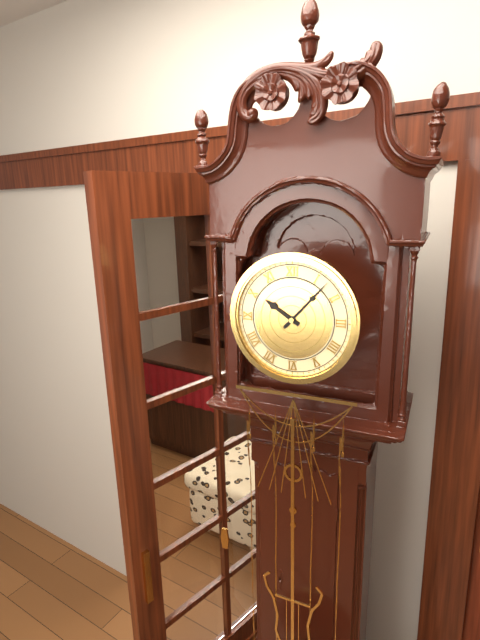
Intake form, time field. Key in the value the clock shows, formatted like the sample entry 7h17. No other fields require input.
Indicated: 10h07
